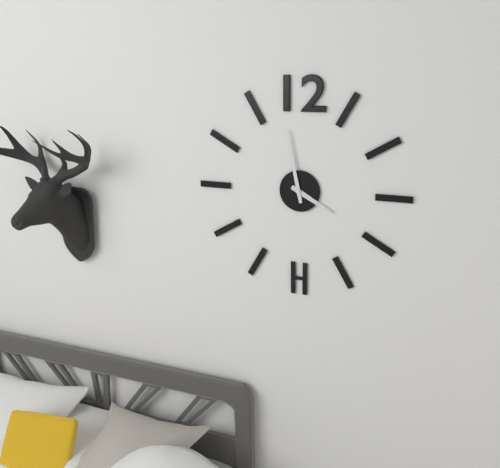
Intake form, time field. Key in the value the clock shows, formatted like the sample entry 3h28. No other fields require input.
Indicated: 3h58
